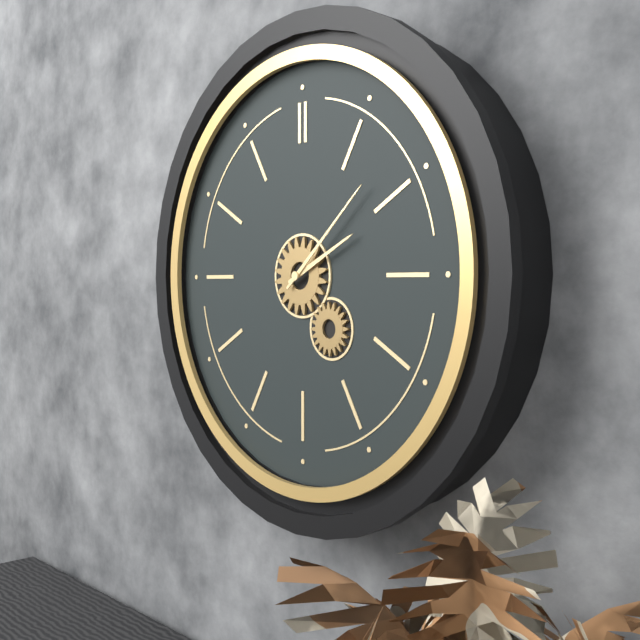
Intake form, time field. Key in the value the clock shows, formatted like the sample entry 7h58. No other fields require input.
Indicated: 2h08
